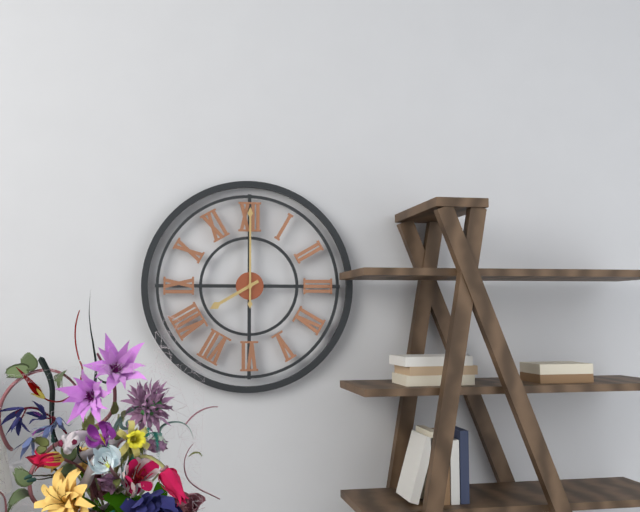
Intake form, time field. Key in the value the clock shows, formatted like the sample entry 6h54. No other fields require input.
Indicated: 8h00
